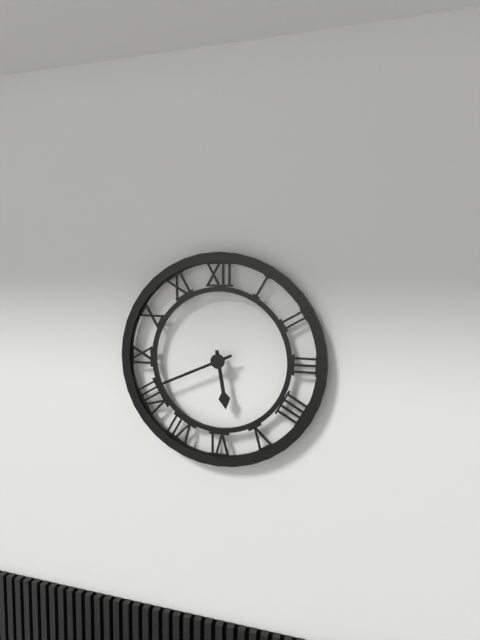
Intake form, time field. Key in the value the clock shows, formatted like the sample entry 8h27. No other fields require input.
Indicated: 5h41
